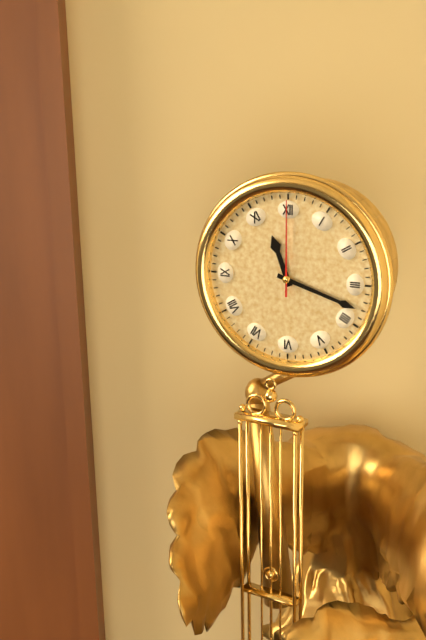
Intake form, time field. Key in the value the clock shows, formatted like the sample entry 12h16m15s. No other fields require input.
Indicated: 11h18m00s
